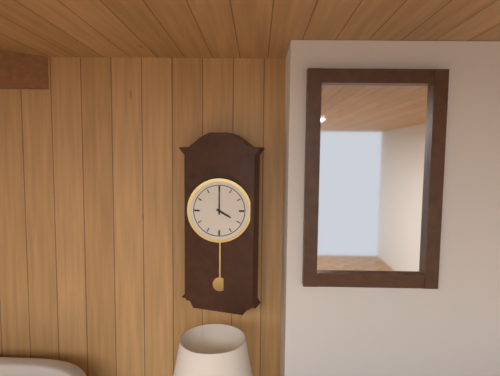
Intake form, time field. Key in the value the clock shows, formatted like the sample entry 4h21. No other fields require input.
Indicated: 4h00
